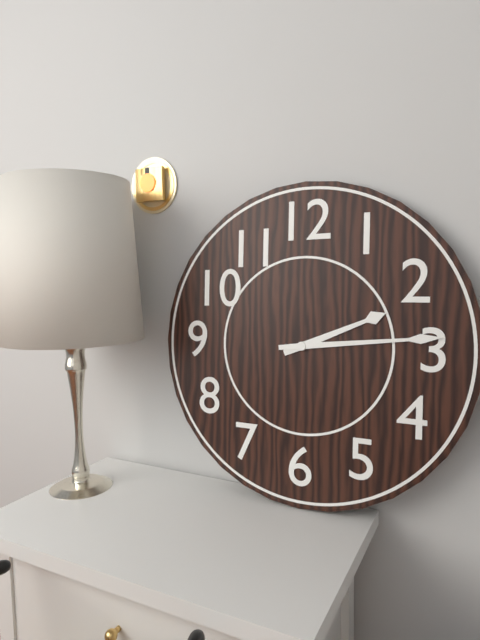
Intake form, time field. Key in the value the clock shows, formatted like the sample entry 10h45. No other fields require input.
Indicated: 2h14
